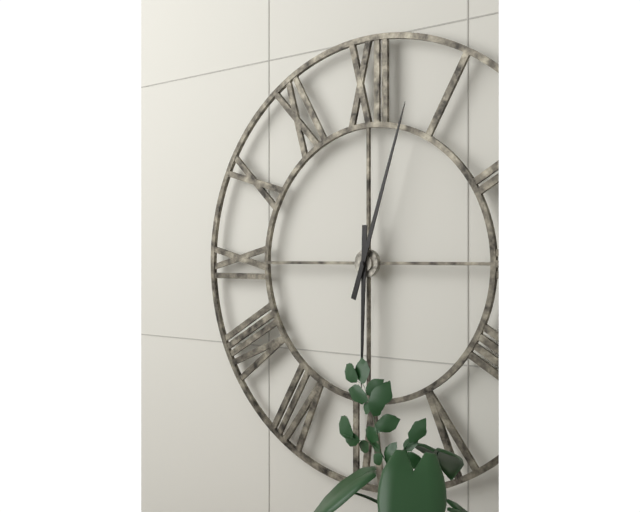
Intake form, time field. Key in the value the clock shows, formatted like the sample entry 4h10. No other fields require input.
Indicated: 6h03
